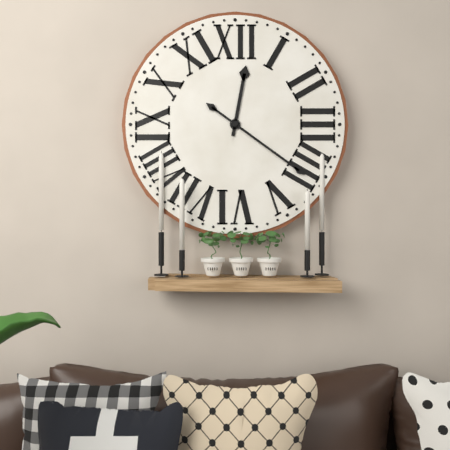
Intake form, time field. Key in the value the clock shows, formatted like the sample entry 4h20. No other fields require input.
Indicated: 12h21
